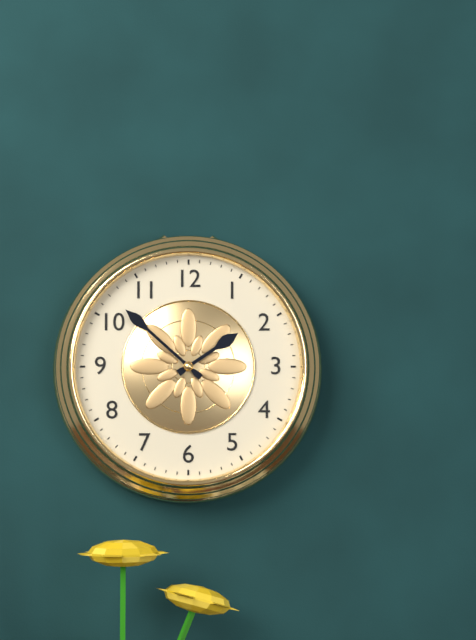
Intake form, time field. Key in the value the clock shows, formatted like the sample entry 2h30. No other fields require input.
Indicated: 1h52
